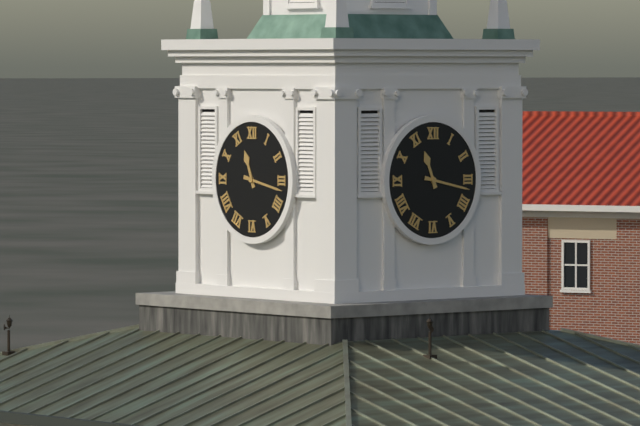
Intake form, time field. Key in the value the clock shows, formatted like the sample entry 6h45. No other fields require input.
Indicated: 11h17
